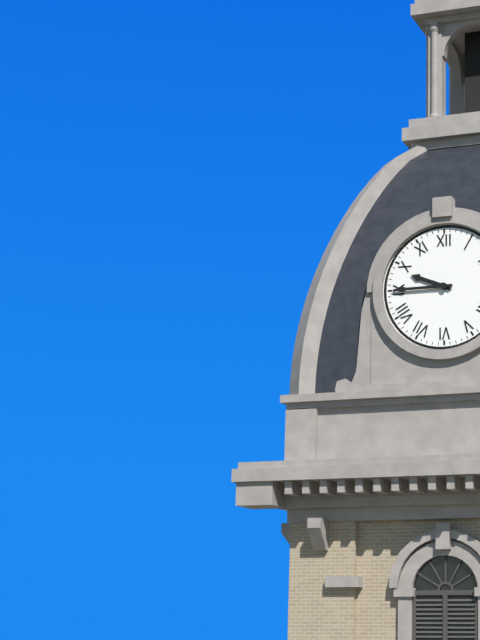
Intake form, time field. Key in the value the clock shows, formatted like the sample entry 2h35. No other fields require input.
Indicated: 9h45
